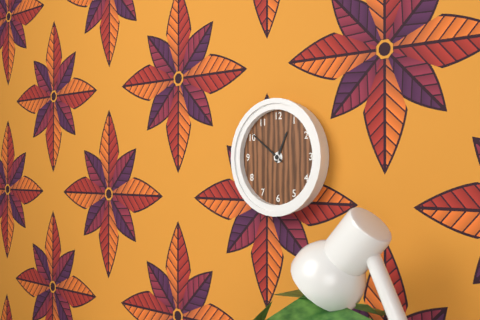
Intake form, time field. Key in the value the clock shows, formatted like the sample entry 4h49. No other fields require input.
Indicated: 12h51
